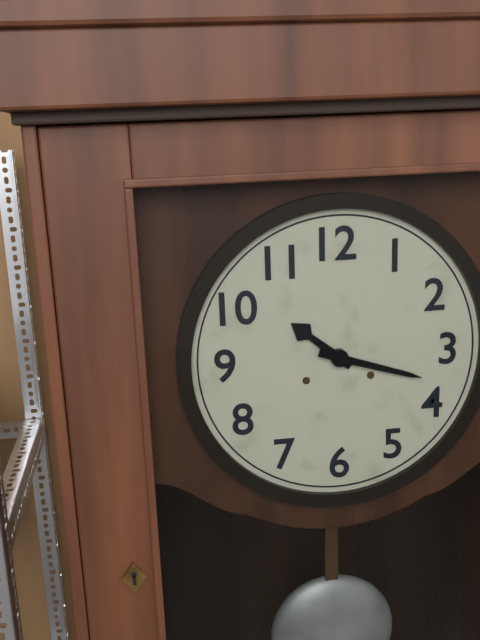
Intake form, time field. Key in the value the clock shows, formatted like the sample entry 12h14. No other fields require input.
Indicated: 10h18
